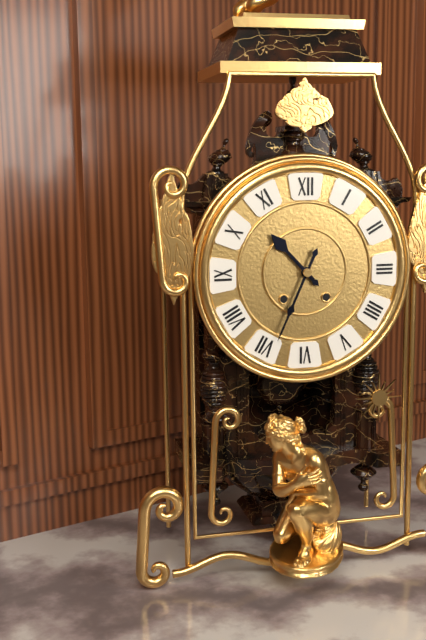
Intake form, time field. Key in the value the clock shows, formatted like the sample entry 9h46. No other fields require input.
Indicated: 10h34
